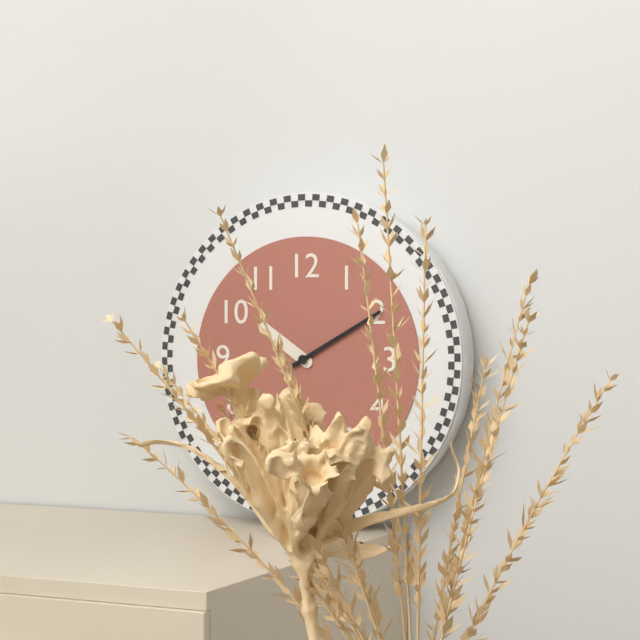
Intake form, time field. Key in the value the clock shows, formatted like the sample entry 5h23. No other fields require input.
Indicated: 10h10
